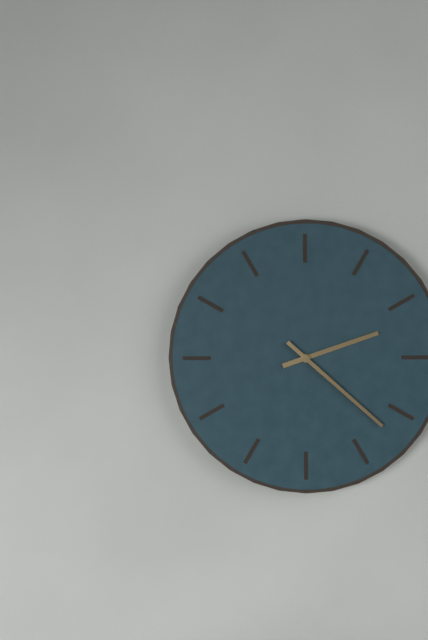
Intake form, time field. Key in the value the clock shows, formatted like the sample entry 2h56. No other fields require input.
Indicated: 2h22
